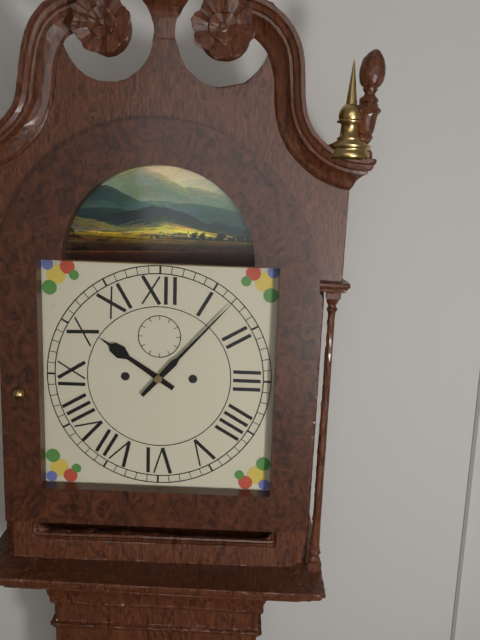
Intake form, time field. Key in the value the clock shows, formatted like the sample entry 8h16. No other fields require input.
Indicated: 10h07
